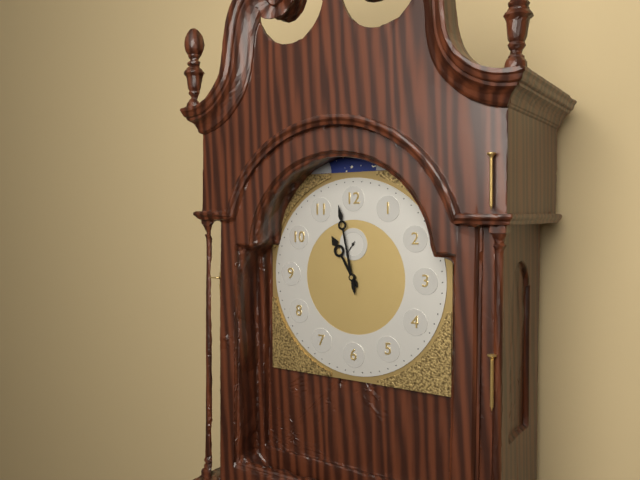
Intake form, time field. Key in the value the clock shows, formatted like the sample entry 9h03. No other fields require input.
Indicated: 10h58
